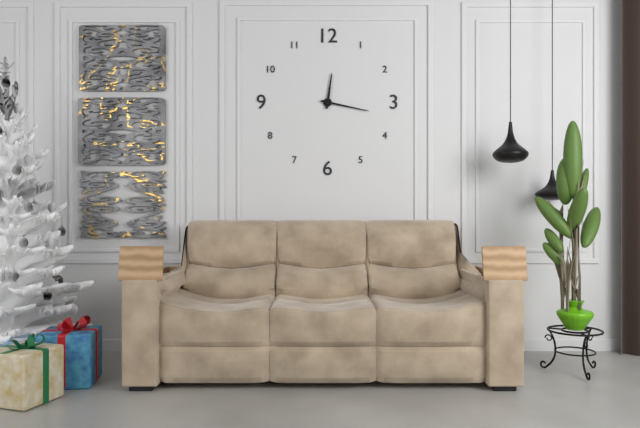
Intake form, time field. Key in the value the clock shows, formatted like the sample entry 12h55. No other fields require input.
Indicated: 12h17
